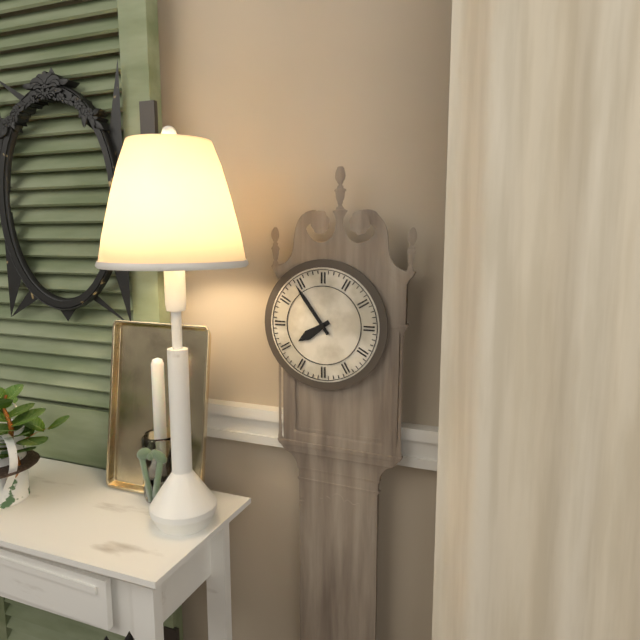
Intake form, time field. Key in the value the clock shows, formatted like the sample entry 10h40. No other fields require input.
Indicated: 7h54
